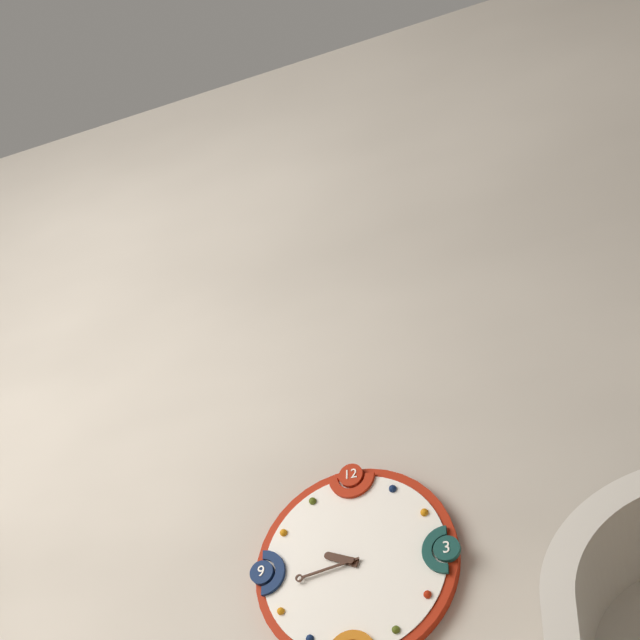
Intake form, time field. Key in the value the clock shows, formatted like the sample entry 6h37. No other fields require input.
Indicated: 9h43
